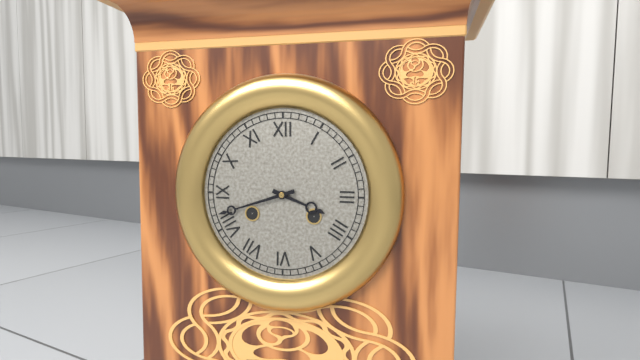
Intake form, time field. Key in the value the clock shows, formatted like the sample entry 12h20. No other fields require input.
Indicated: 3h42
